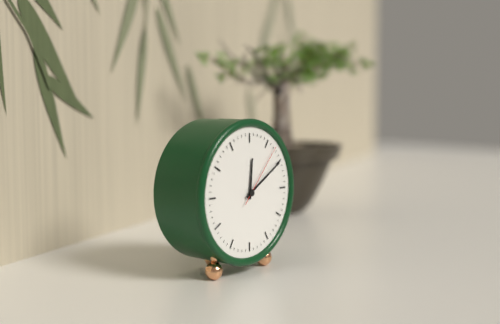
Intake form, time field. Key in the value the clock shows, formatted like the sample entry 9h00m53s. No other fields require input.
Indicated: 12h10m07s
